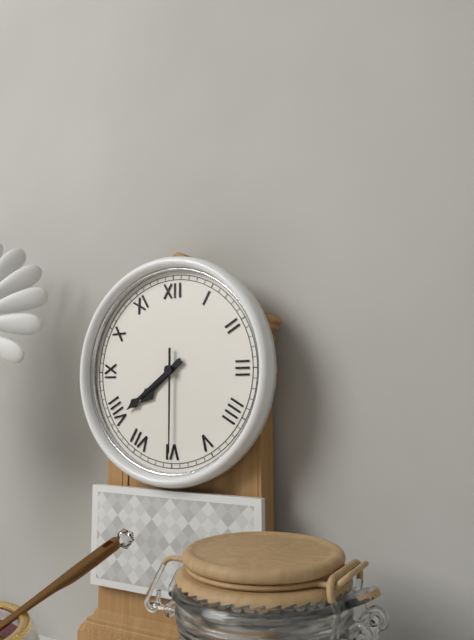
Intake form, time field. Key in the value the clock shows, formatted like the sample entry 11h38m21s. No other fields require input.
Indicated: 7h39m30s
